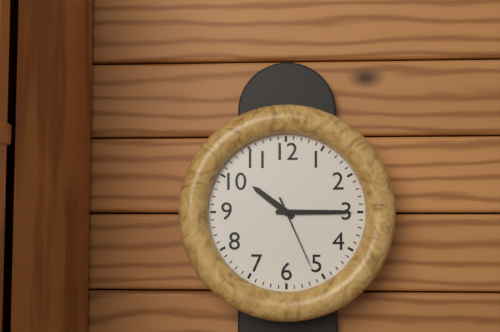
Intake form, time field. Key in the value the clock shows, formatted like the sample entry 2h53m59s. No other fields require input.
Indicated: 10h15m26s
